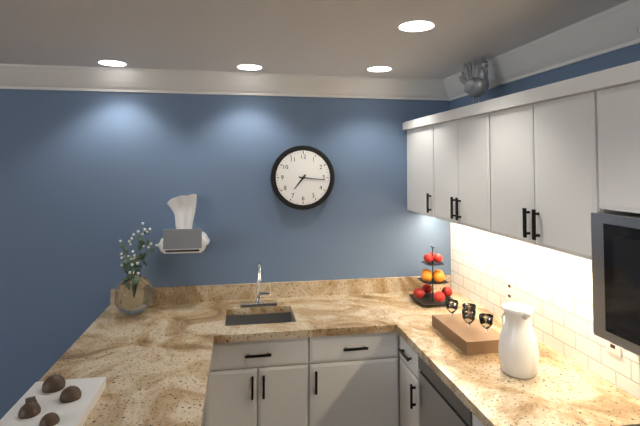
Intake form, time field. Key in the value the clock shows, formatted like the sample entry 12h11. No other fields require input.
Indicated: 7h16
